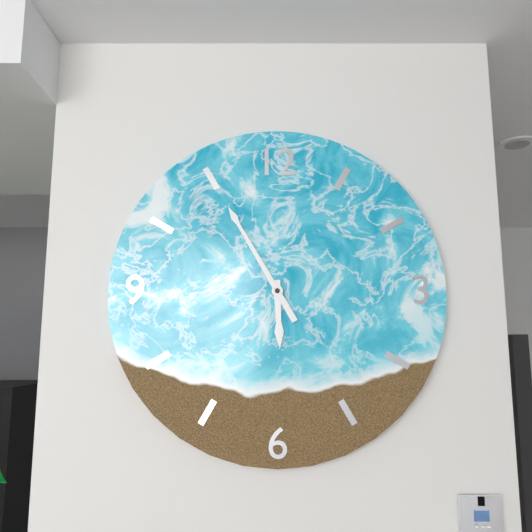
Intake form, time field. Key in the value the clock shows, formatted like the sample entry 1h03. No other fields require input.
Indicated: 5h55
